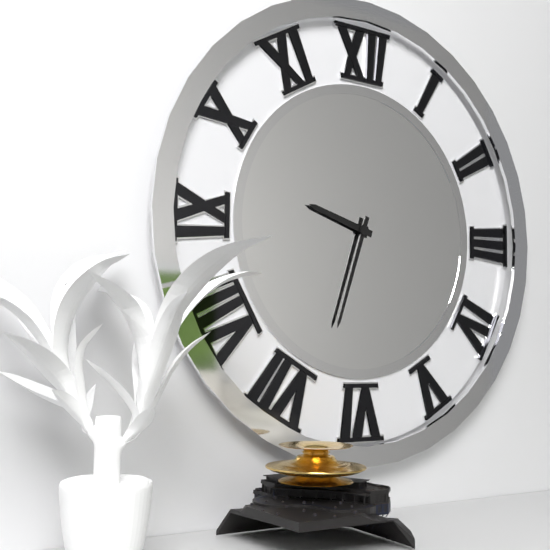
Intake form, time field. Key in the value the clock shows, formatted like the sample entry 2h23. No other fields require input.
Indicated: 9h33
